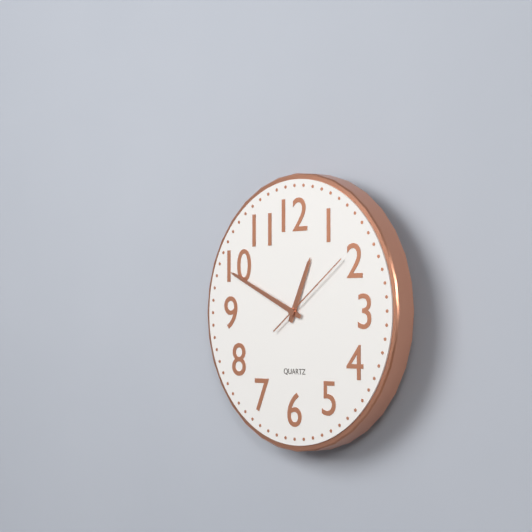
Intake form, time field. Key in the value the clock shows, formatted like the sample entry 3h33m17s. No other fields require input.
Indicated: 12h49m09s
